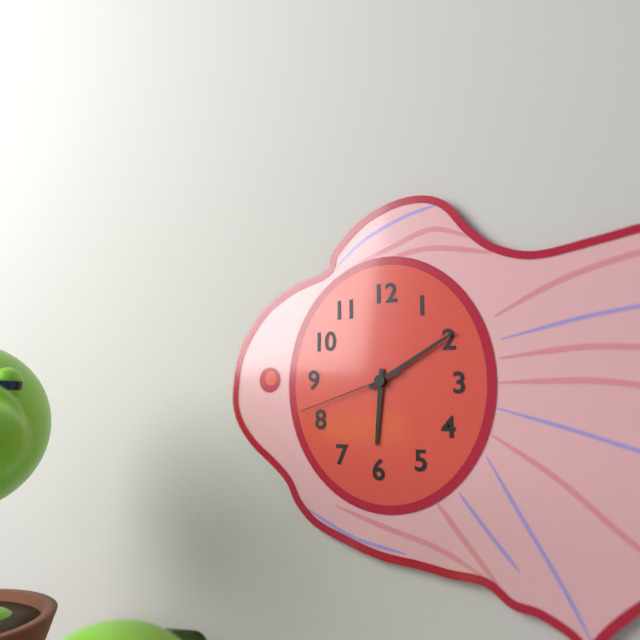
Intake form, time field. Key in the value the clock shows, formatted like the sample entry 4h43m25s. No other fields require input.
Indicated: 6h10m42s
